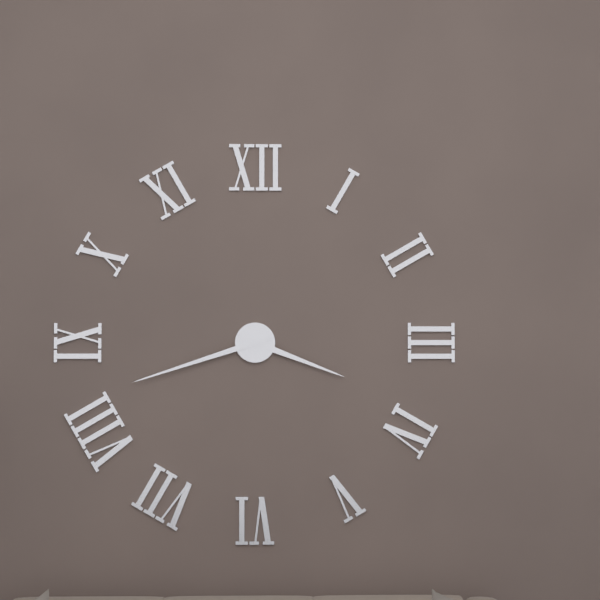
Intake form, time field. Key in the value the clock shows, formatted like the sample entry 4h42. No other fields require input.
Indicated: 3h42
